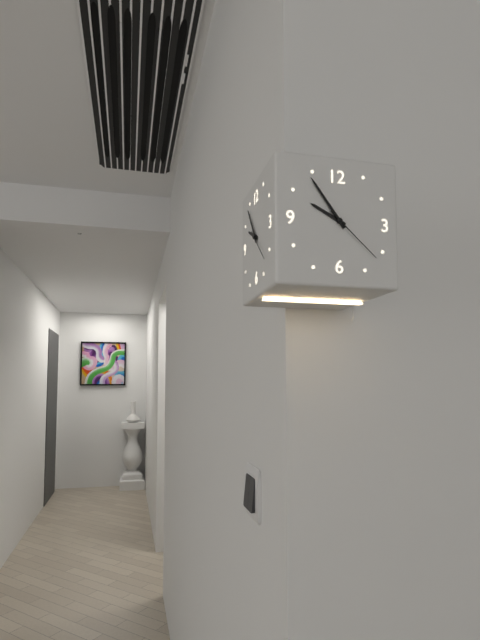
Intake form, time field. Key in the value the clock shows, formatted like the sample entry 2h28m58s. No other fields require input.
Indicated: 9h54m22s
